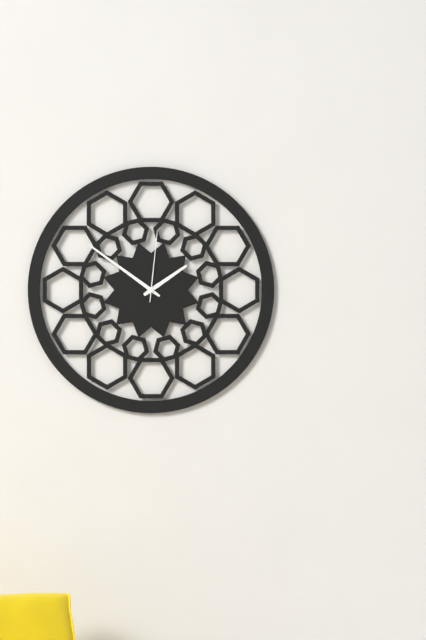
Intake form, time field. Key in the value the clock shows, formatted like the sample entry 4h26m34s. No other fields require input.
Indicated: 1h51m01s
